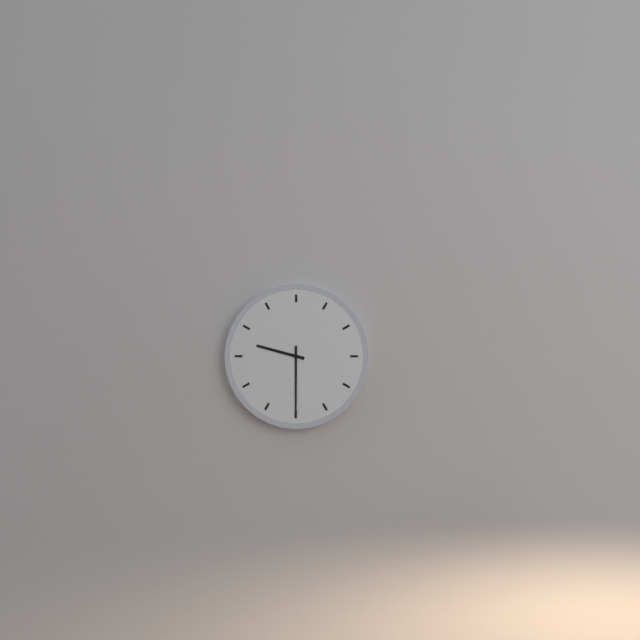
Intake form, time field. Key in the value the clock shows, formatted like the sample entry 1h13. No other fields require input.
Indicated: 9h30
